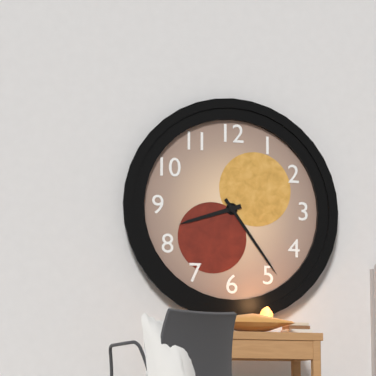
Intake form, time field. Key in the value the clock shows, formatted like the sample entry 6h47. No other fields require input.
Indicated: 8h24
